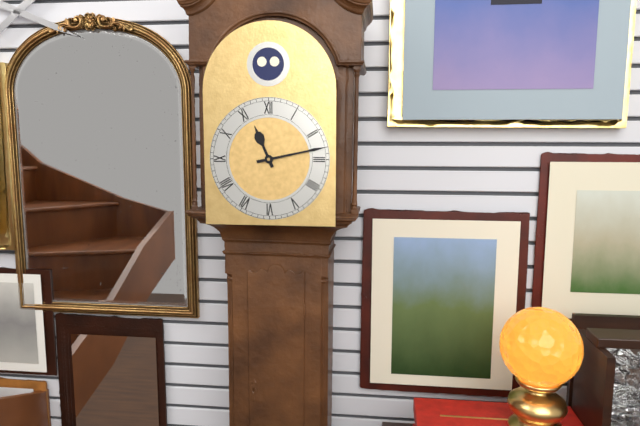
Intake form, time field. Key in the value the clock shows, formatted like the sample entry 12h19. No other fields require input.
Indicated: 11h13
